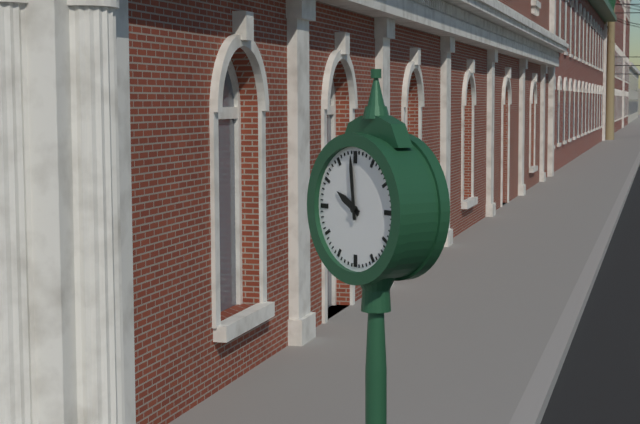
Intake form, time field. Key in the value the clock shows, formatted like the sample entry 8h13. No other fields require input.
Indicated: 9h59
